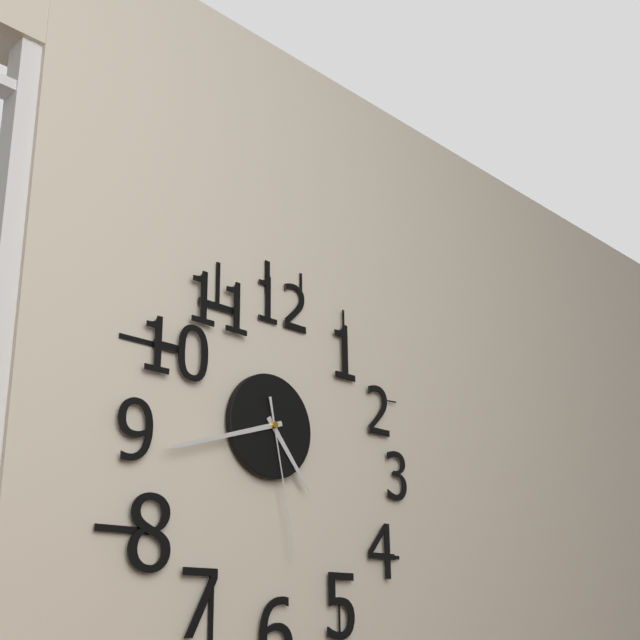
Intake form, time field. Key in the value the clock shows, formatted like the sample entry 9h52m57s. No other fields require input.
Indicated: 4h42m28s
